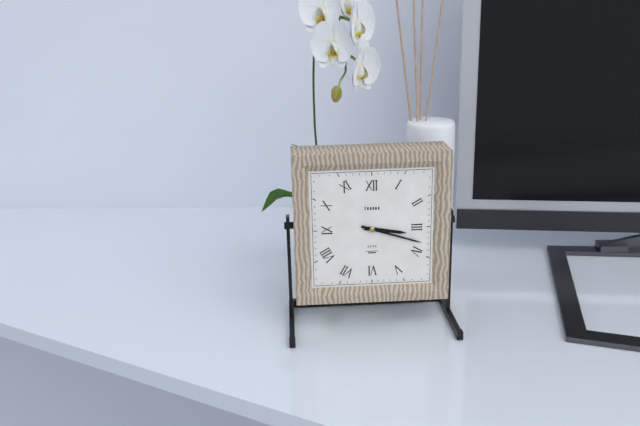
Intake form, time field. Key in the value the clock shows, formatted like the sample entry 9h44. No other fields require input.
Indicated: 3h18
